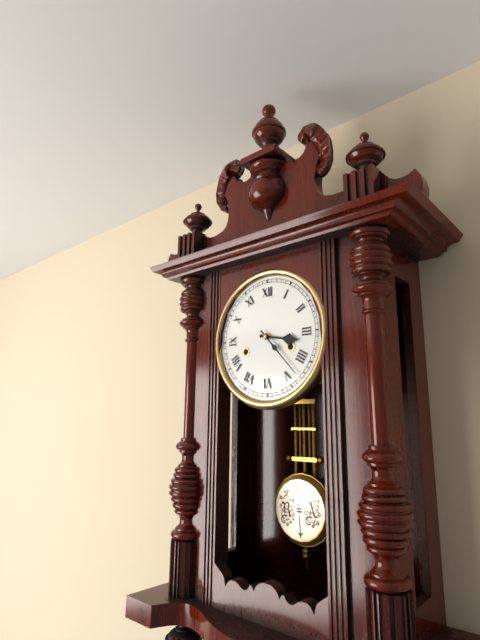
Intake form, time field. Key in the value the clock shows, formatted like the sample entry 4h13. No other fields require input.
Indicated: 3h23
